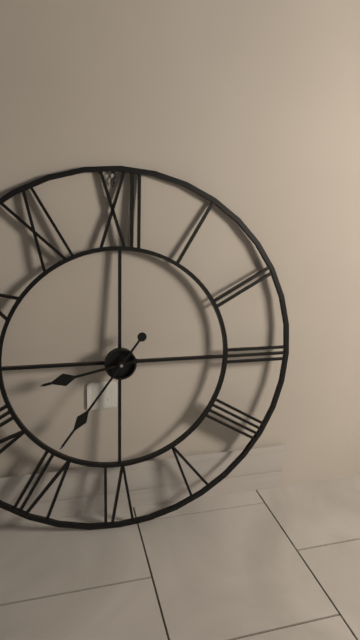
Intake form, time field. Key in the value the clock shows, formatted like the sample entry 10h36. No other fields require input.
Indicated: 8h36
